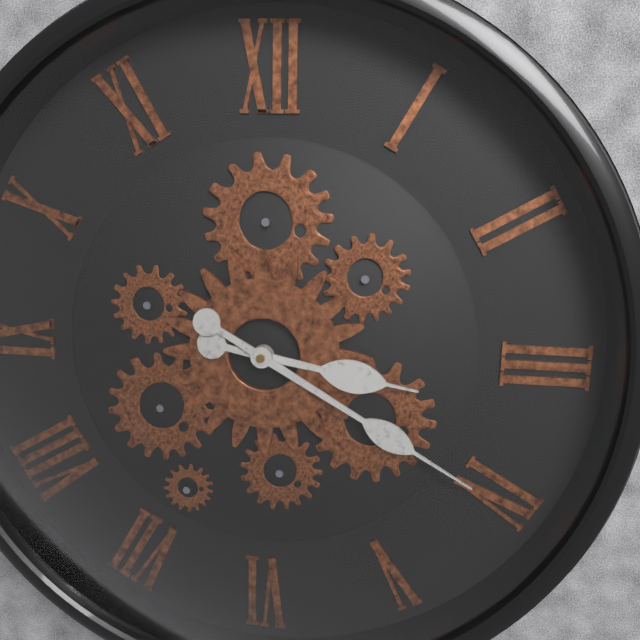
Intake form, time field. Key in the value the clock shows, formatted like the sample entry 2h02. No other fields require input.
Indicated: 3h20
